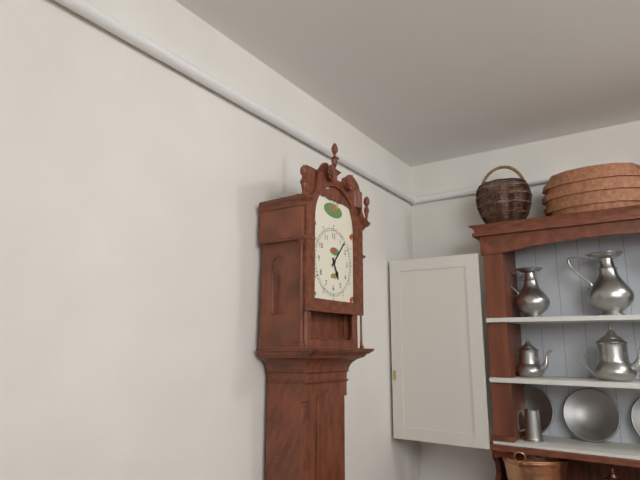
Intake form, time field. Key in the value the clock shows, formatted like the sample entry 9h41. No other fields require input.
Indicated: 5h07
